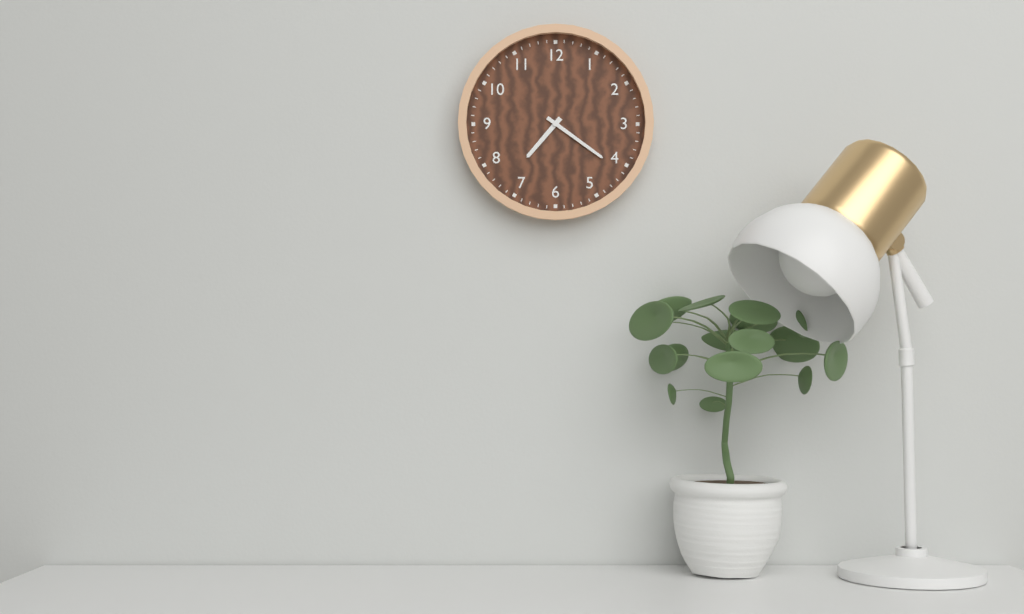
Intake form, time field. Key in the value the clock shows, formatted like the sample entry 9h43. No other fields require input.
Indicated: 7h21
